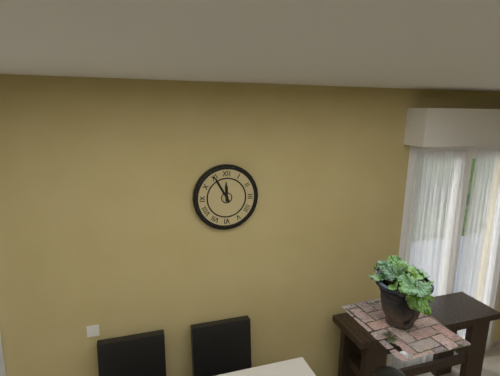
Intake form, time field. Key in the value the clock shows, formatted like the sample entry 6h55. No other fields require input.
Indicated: 11h55
